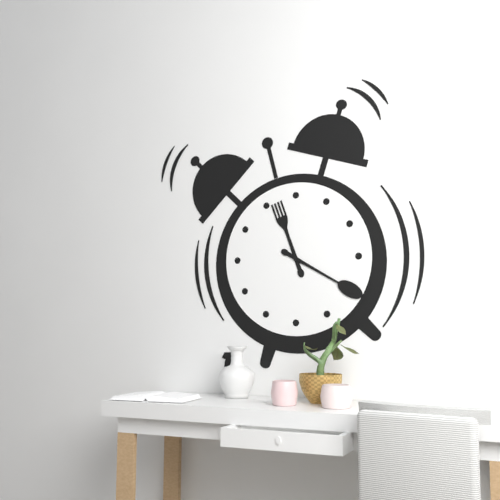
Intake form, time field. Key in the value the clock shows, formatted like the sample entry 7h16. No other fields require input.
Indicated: 11h20
